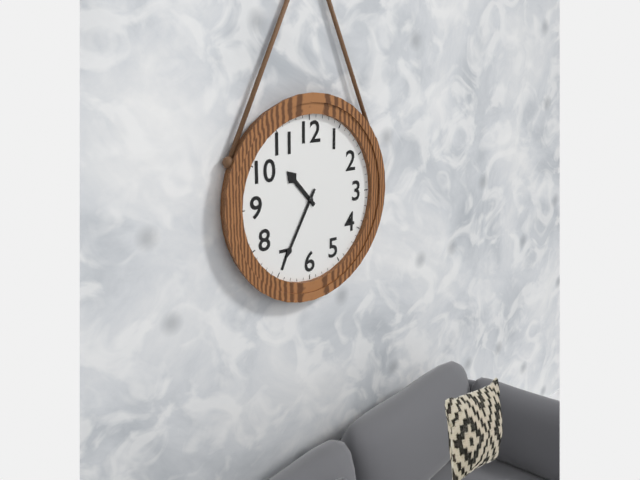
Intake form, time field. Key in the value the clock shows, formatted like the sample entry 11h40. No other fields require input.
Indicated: 10h35
